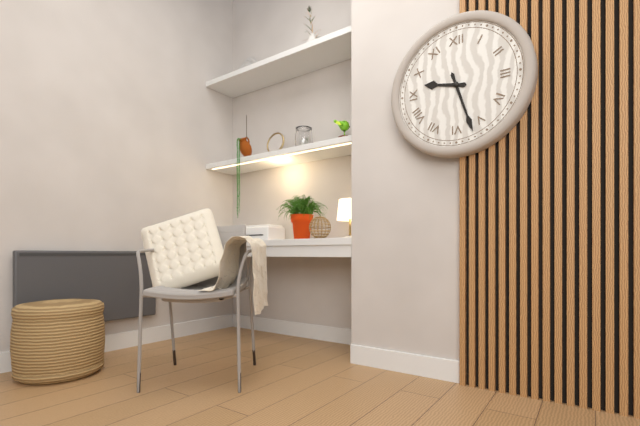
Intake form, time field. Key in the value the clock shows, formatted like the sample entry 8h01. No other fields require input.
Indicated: 9h27
